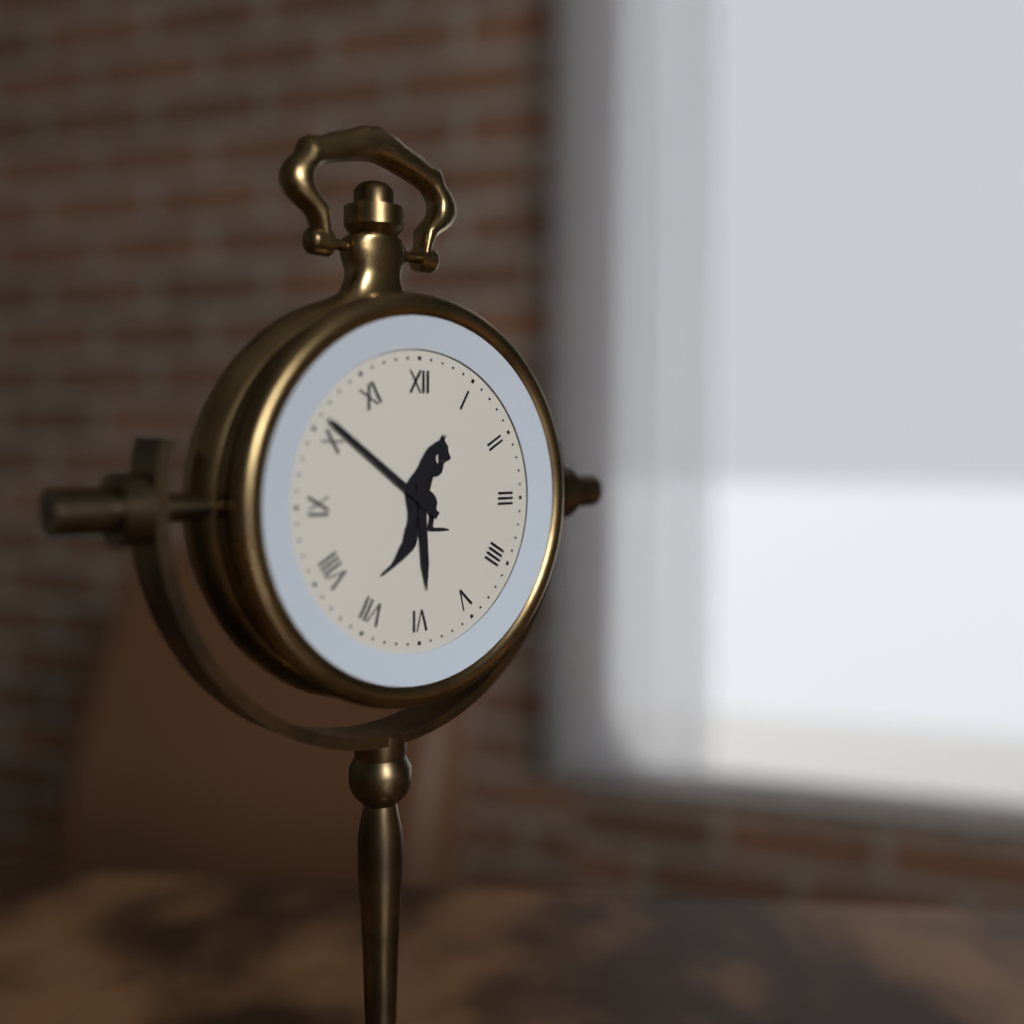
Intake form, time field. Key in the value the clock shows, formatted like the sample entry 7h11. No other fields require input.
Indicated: 5h51
